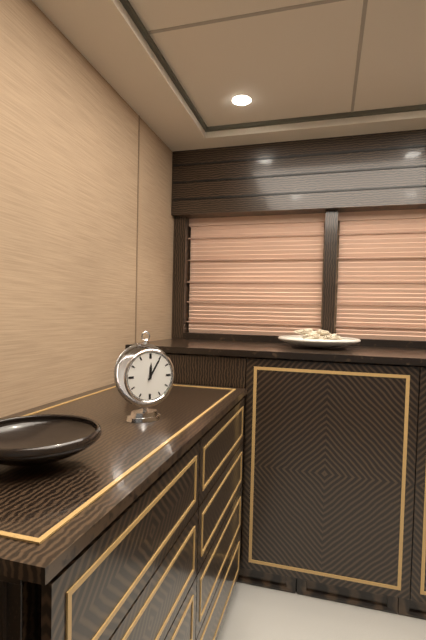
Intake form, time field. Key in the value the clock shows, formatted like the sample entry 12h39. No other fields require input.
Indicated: 12h05
